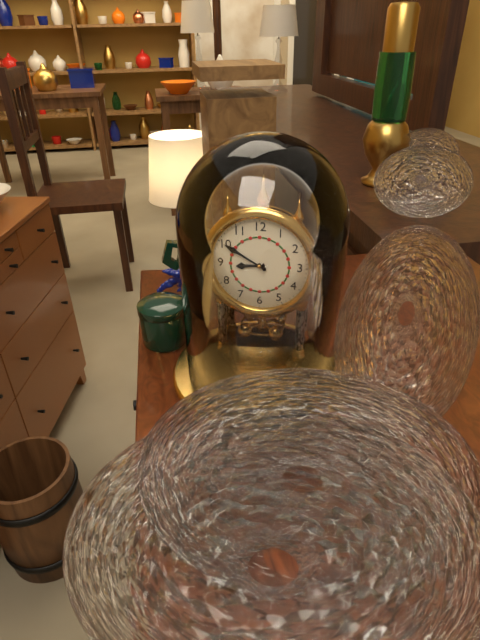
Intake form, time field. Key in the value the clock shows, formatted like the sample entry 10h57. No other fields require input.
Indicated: 8h50
